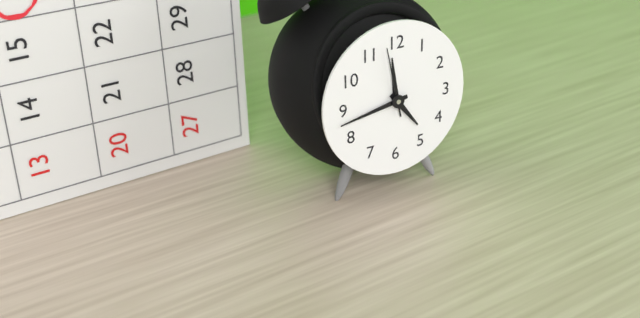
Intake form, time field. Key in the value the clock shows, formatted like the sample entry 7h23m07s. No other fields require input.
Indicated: 4h43m58s
